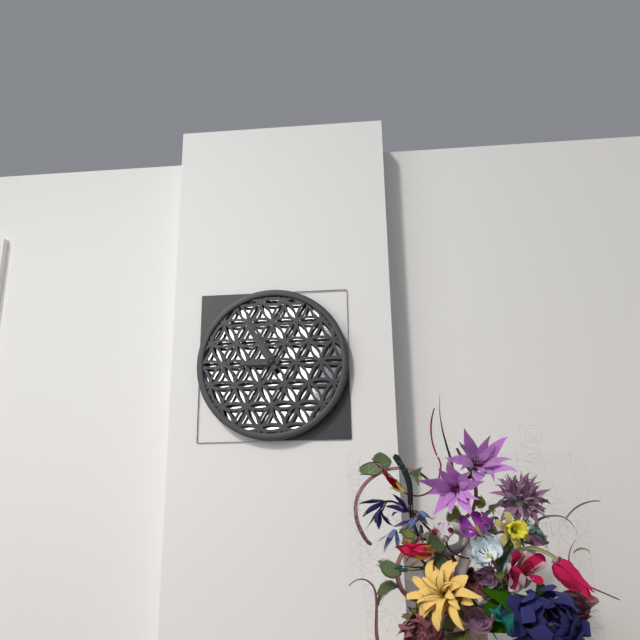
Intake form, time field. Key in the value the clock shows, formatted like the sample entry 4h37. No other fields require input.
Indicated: 8h55
